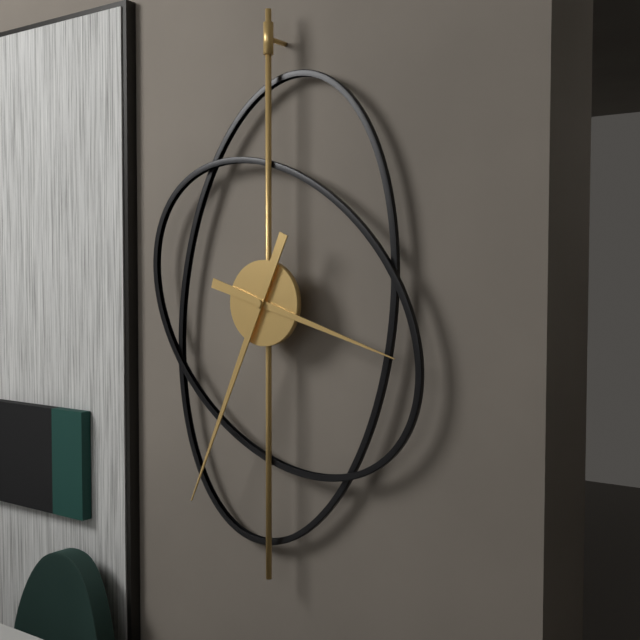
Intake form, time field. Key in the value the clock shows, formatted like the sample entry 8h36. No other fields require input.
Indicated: 3h34
